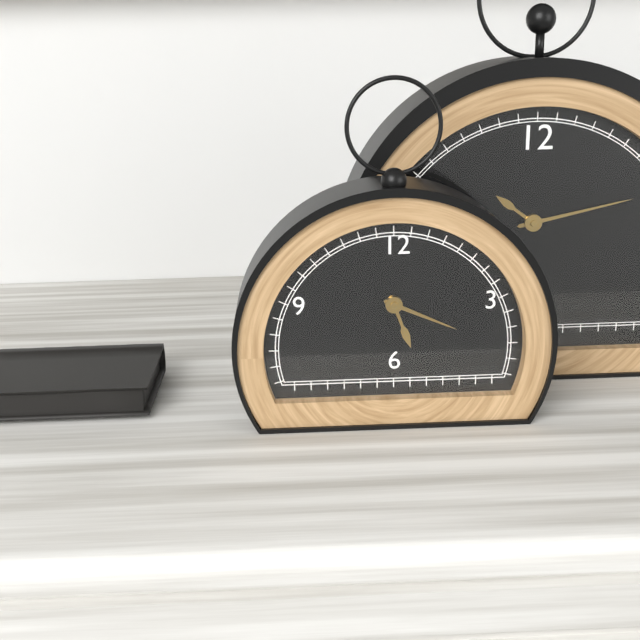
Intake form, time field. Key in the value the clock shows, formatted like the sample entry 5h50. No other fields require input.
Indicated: 5h19
